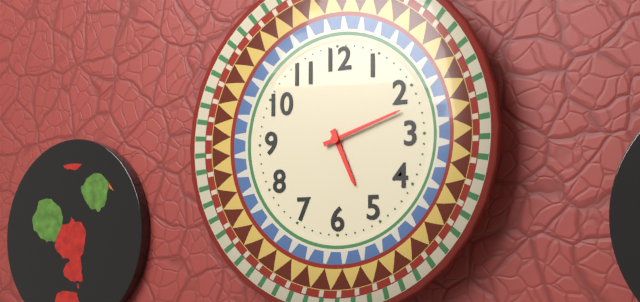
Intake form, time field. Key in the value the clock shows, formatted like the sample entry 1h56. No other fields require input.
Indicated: 5h12
